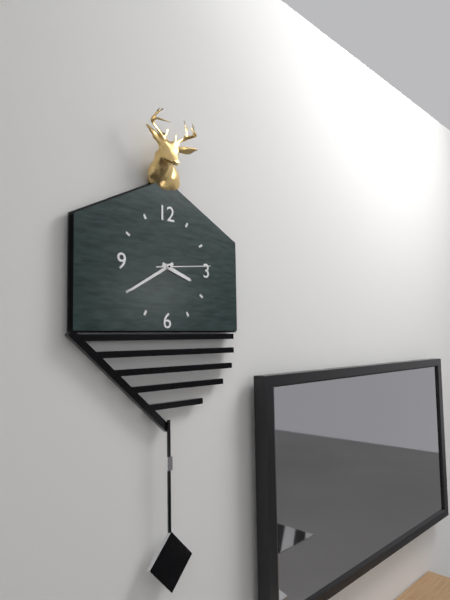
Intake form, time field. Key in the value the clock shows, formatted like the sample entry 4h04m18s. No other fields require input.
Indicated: 3h40m14s
